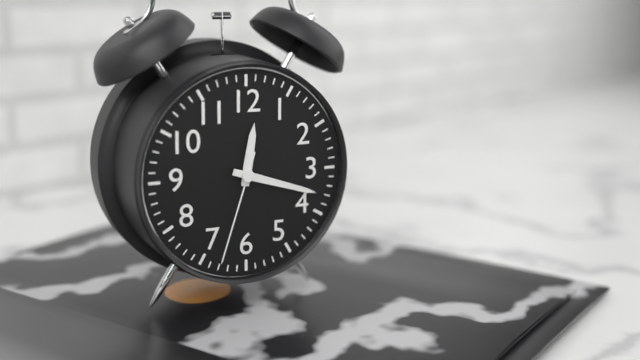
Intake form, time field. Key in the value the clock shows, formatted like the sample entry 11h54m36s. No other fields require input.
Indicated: 12h18m33s
